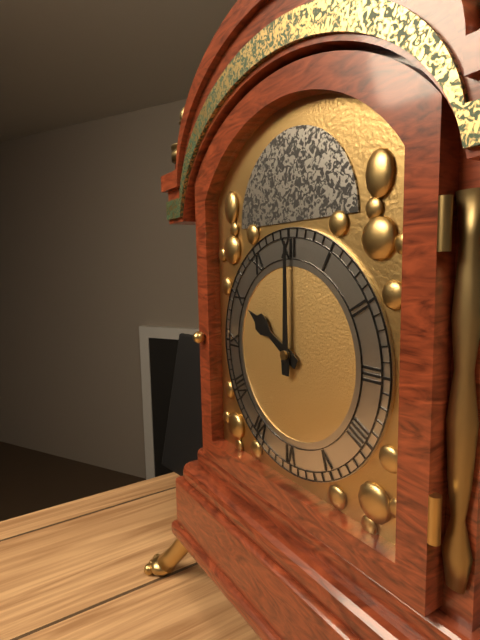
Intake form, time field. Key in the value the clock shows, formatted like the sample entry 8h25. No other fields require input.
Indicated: 10h00
